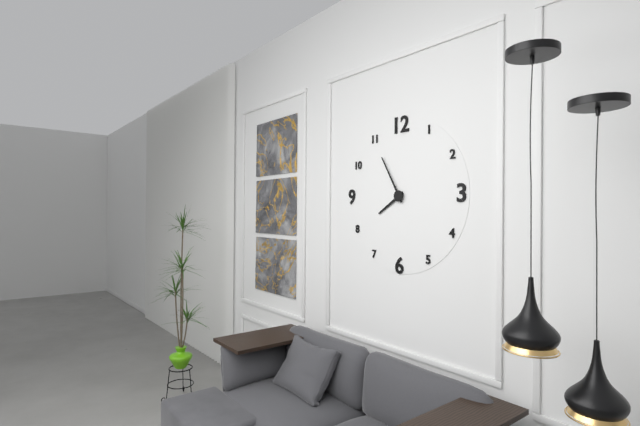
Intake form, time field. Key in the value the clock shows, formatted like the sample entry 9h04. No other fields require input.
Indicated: 7h55
